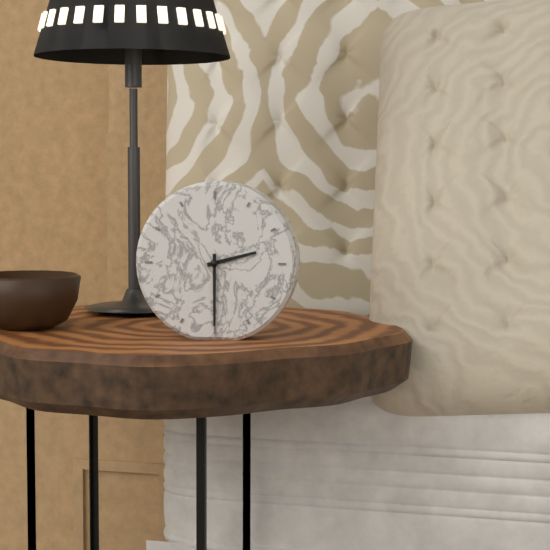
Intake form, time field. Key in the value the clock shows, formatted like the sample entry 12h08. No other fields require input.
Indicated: 2h30
